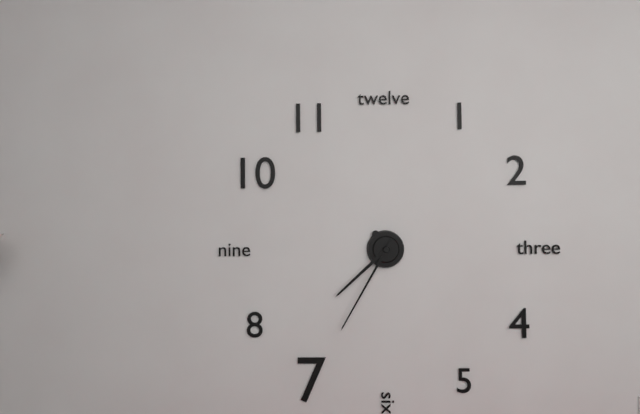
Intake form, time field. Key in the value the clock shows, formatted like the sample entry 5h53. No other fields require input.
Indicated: 7h35
